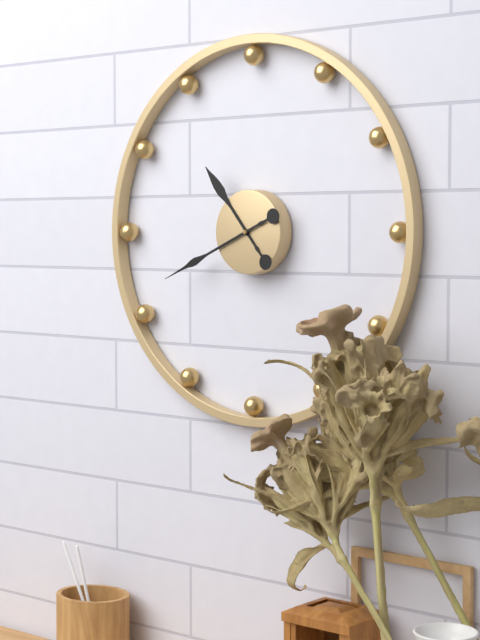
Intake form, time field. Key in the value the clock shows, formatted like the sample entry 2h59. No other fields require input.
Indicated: 10h41
